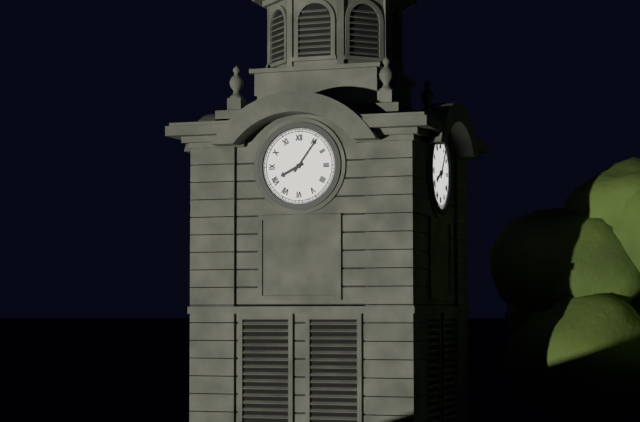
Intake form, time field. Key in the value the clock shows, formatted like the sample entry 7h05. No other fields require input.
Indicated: 8h06
